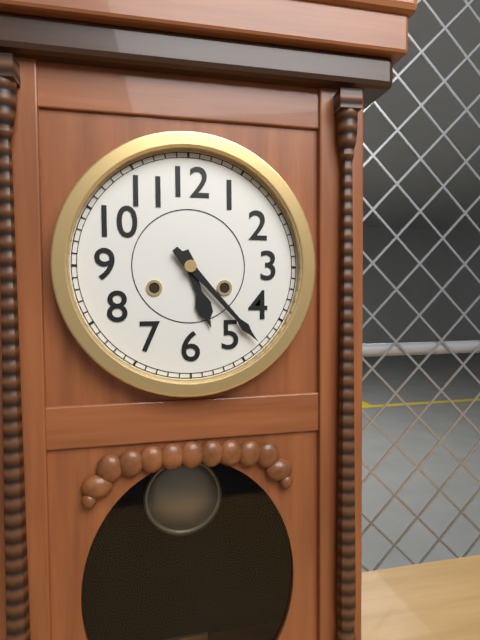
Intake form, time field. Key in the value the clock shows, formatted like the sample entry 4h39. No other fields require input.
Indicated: 5h23
